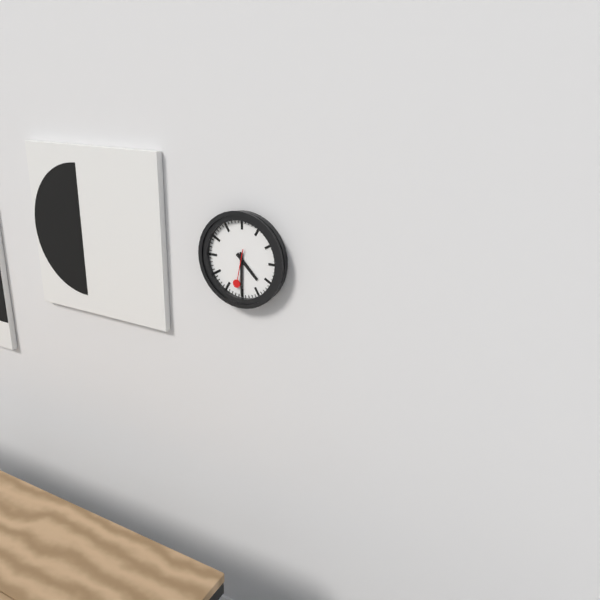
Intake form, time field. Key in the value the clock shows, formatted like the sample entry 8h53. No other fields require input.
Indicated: 4h30
